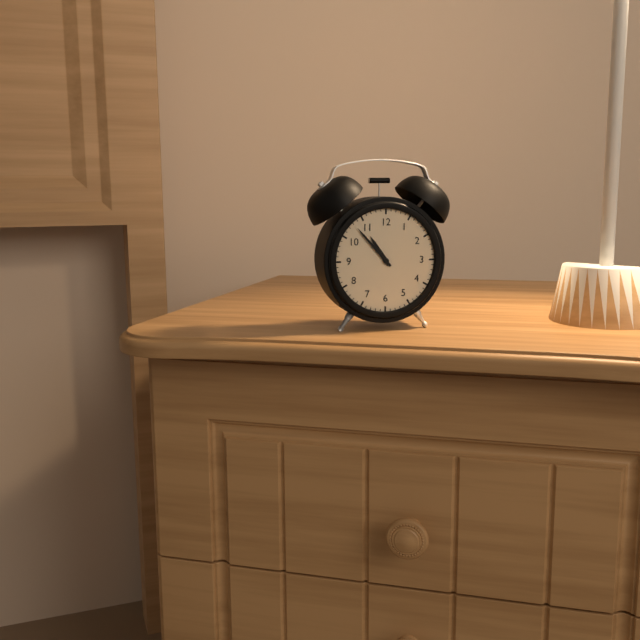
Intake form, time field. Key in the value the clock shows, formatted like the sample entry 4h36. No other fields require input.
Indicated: 10h53
